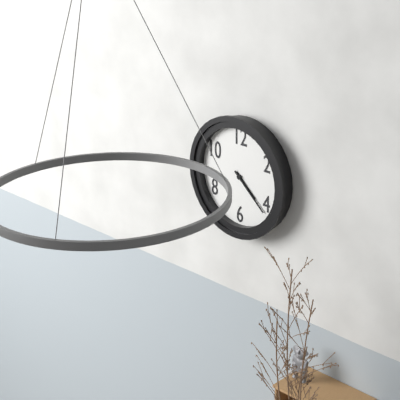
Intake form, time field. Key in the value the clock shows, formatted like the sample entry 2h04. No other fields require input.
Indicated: 4h22
